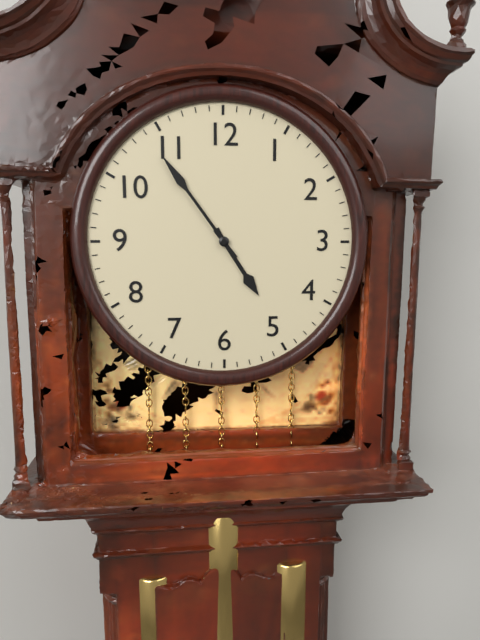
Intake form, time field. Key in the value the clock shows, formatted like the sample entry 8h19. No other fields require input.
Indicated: 4h54
